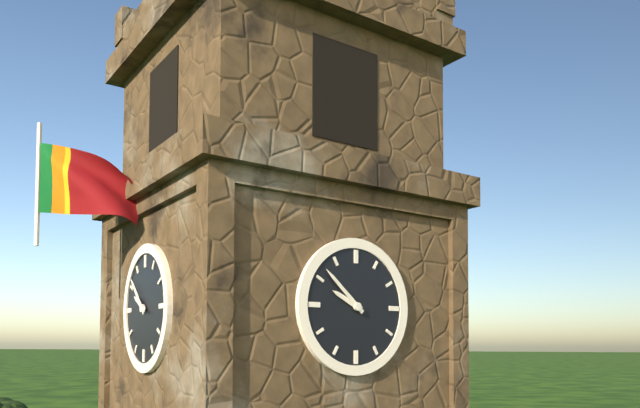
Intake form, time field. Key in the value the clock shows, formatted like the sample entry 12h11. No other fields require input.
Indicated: 9h52
